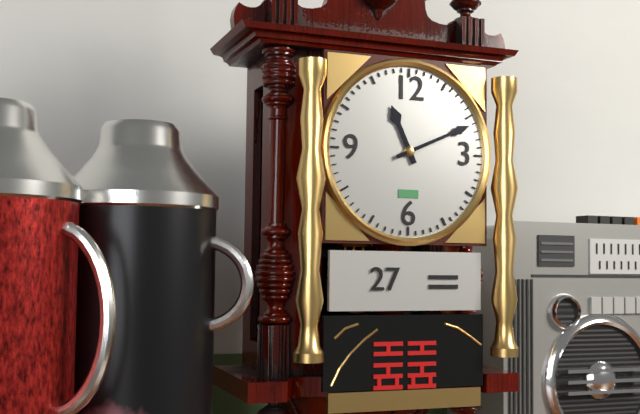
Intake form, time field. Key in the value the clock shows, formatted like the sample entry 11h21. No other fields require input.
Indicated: 11h11
